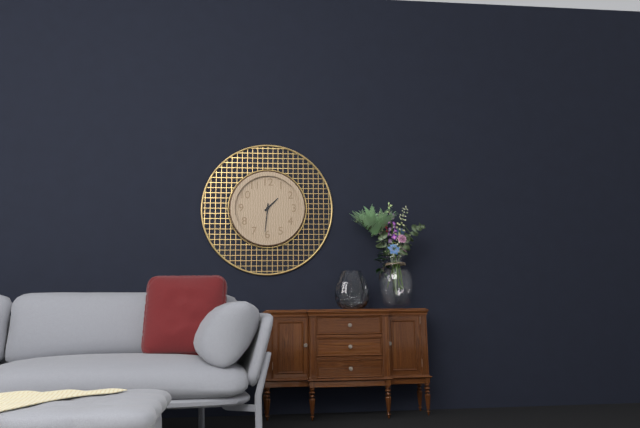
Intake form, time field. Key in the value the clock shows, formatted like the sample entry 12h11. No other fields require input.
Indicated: 1h31
